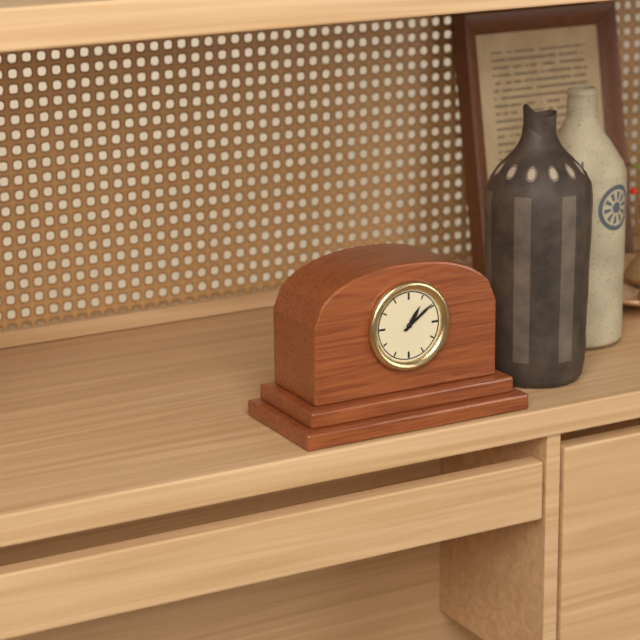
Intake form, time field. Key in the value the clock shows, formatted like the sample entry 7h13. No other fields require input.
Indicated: 1h09
